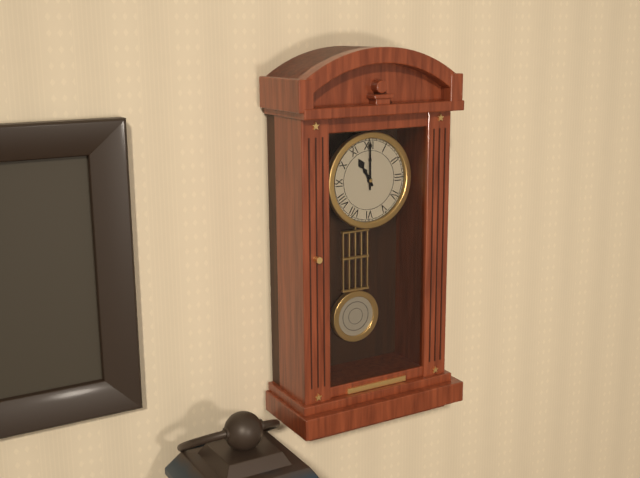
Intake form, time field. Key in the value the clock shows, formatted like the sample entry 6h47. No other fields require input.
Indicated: 11h00
